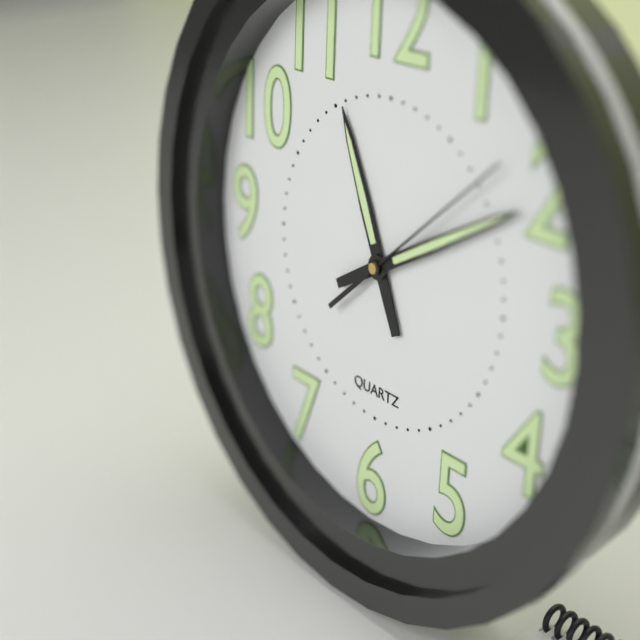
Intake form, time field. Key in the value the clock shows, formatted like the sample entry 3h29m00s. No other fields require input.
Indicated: 11h10m08s
